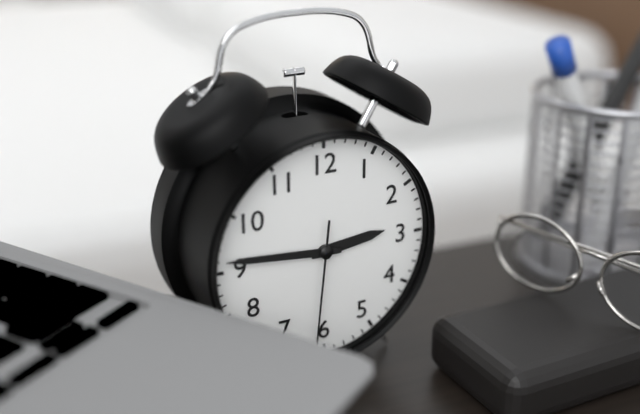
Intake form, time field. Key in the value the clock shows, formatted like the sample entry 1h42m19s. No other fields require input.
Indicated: 2h46m31s
